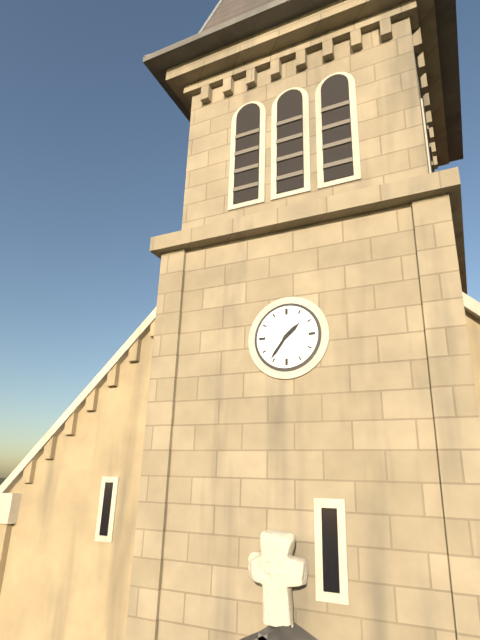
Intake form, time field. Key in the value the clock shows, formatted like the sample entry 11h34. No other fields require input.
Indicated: 1h36
